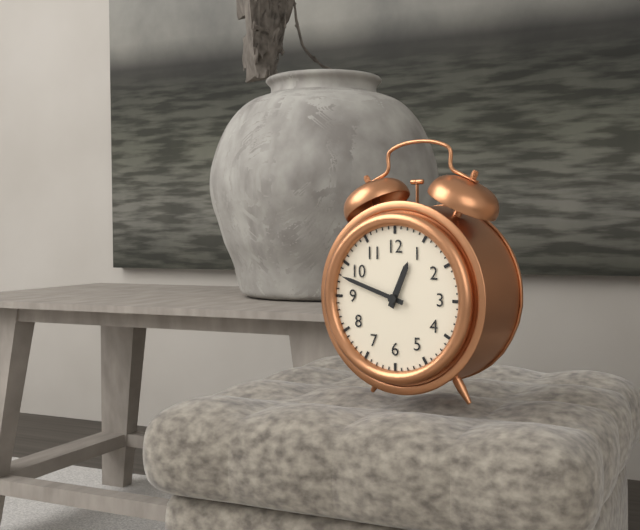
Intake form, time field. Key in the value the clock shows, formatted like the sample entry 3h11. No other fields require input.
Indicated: 12h48
